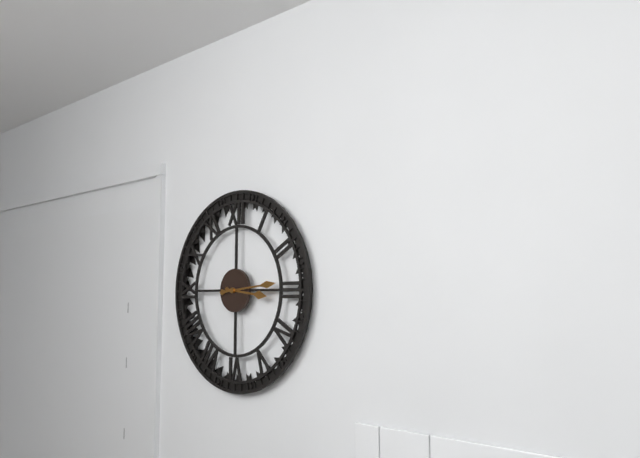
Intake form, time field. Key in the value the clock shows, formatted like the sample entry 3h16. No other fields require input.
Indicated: 3h14
